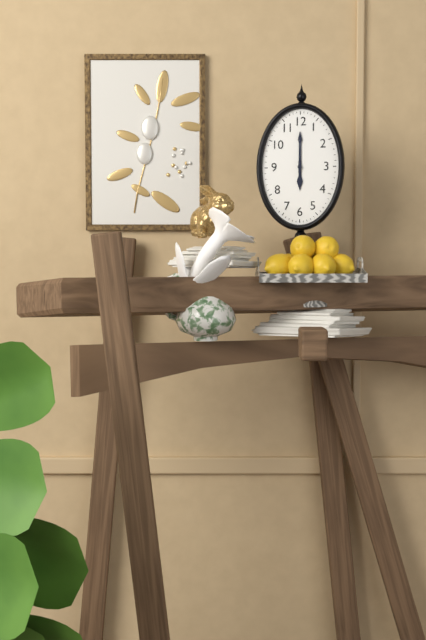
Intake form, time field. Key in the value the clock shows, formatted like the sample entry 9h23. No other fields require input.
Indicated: 6h00
